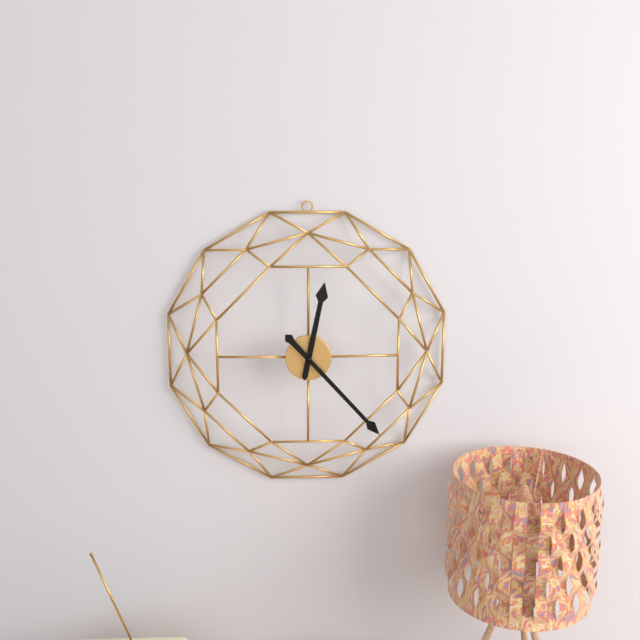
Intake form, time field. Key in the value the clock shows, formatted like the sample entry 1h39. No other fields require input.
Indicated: 12h23
